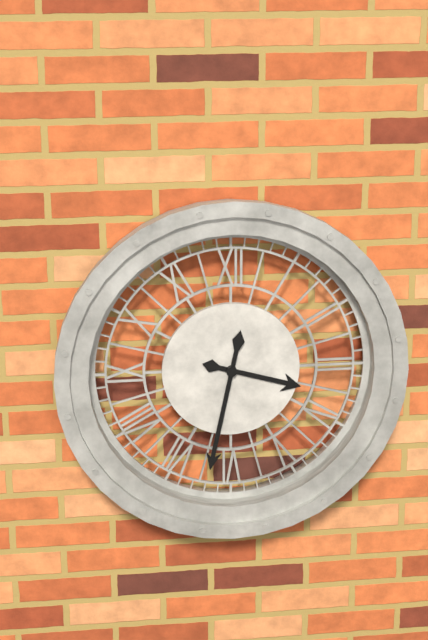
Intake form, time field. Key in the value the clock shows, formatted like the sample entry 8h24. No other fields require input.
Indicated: 3h32
